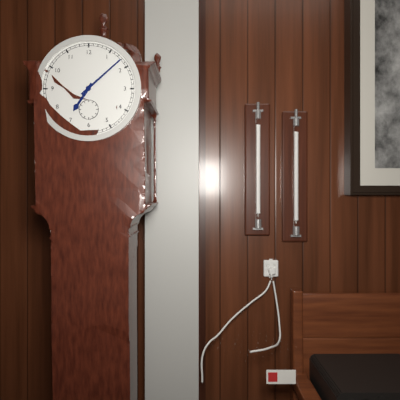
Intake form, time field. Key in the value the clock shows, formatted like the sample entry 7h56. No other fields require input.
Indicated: 7h08
